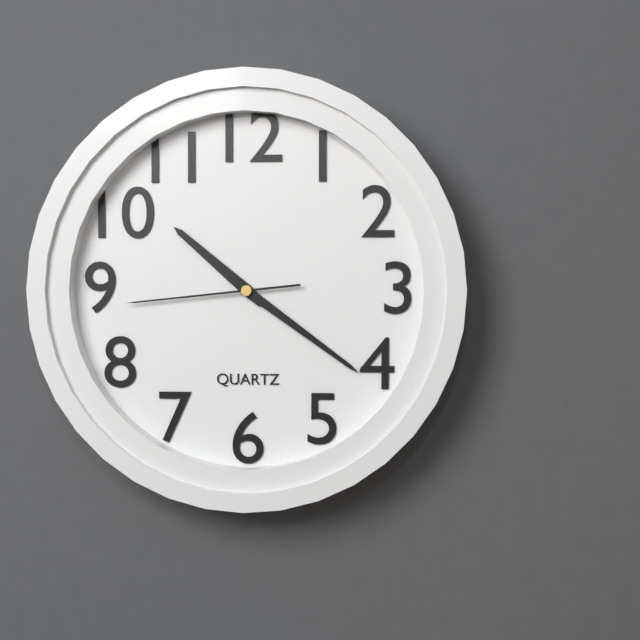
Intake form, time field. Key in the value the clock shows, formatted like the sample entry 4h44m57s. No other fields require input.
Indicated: 10h21m44s
